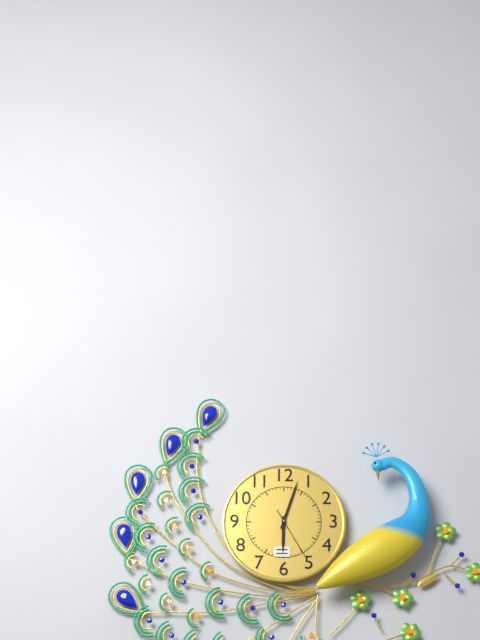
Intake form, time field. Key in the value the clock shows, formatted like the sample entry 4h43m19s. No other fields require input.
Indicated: 6h03m25s
